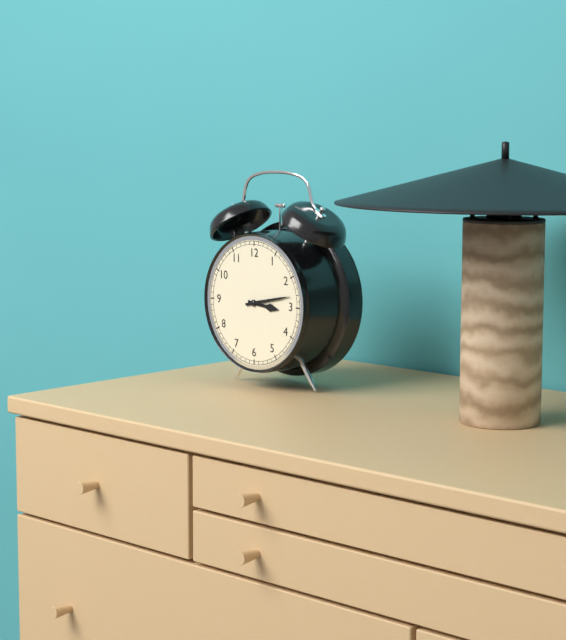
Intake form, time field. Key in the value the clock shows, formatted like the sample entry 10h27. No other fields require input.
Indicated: 3h13
